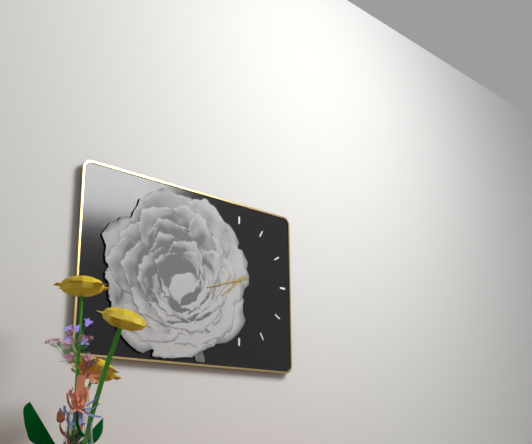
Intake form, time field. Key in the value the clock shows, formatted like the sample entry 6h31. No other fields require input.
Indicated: 7h42
